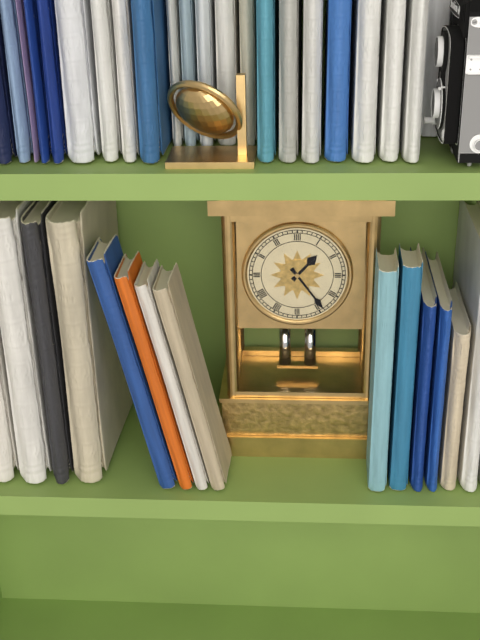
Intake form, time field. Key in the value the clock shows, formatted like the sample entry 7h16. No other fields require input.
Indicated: 1h24
